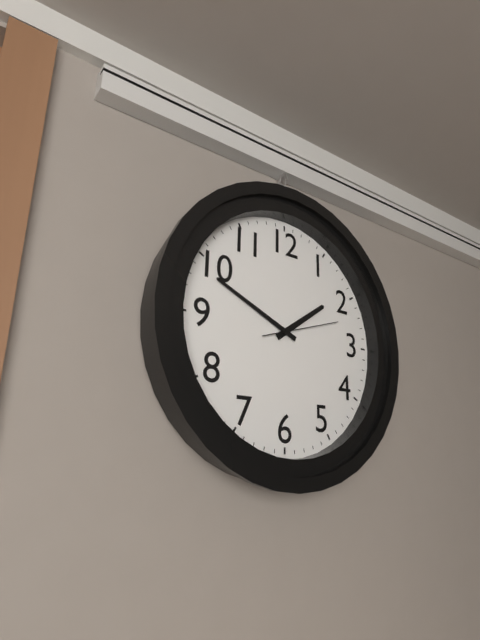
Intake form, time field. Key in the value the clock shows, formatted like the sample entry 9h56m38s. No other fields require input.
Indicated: 1h49m12s
